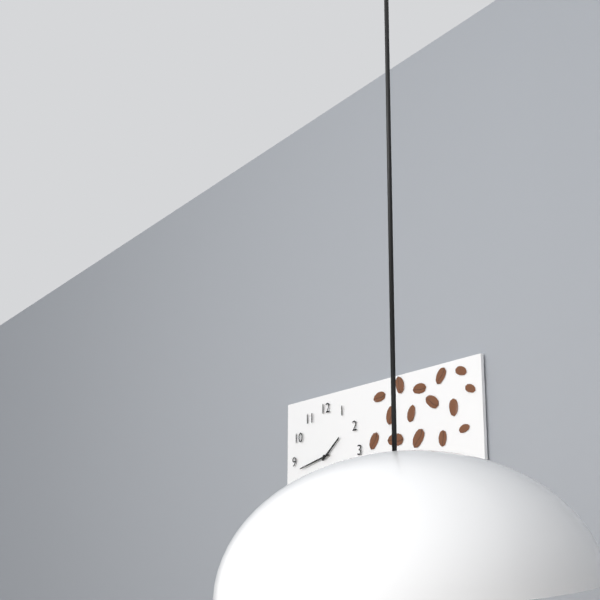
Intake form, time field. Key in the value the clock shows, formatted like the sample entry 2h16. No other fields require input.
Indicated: 1h43
